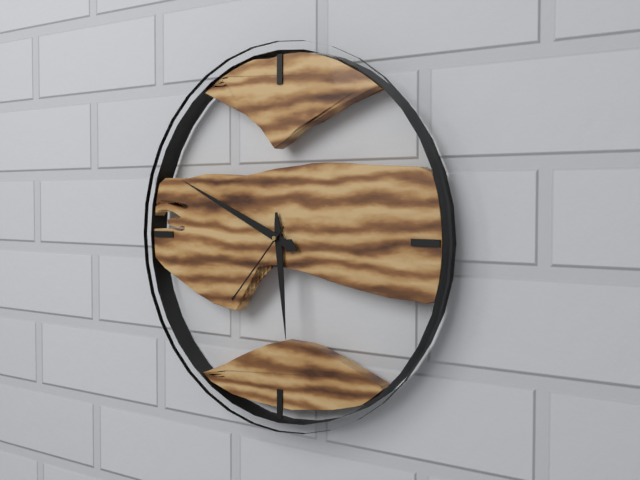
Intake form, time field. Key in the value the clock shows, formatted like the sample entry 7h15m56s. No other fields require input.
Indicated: 5h49m37s
